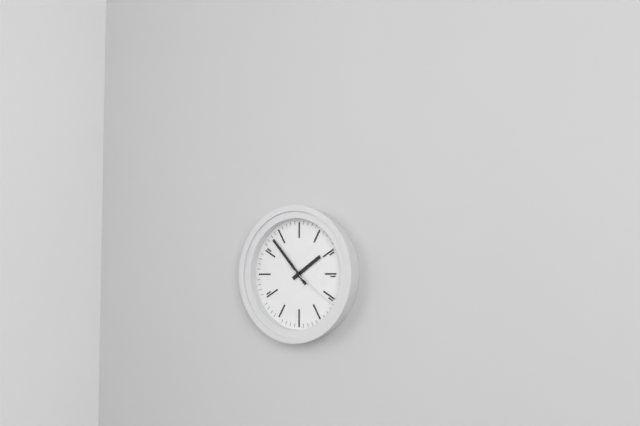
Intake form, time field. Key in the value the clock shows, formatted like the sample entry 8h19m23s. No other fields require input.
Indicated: 1h53m21s
